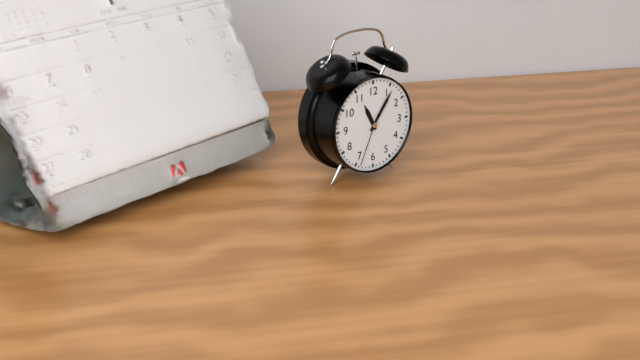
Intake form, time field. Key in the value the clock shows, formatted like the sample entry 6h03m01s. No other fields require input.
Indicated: 11h06m34s
